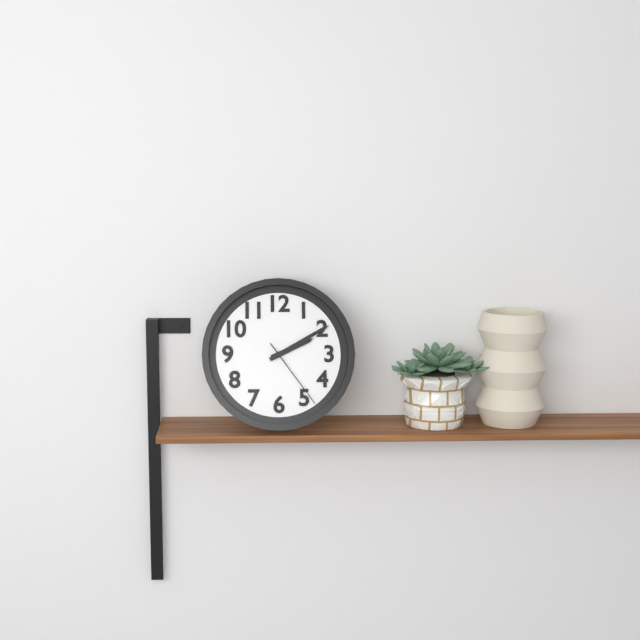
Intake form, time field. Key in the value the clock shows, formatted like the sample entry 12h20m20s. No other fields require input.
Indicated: 2h10m24s
